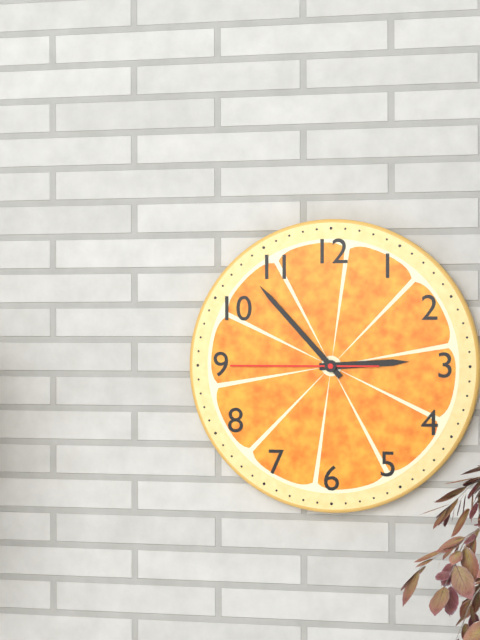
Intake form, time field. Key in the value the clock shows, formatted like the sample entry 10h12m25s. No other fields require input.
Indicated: 2h53m45s
